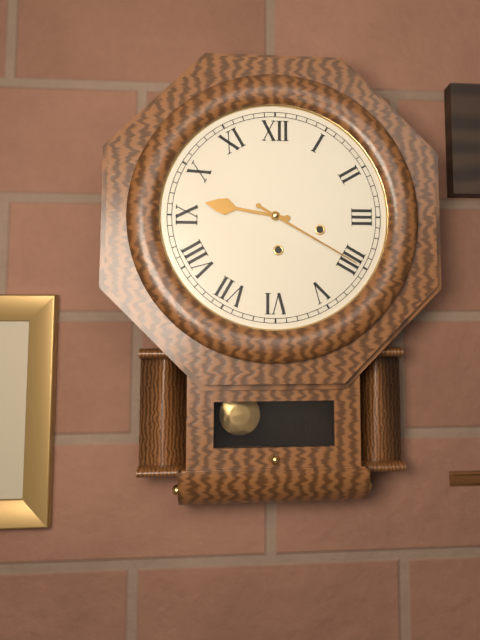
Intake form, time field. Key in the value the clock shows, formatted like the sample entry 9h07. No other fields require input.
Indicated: 9h20
